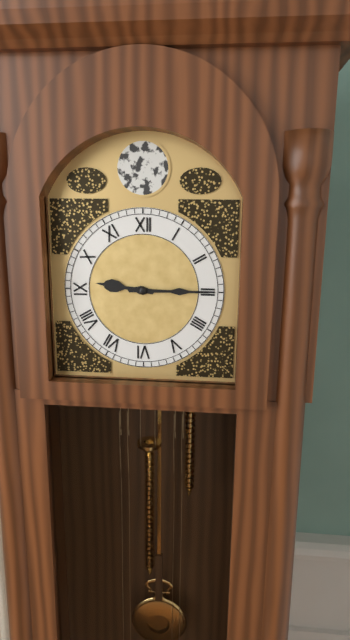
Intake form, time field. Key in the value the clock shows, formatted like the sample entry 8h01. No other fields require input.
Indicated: 9h15
